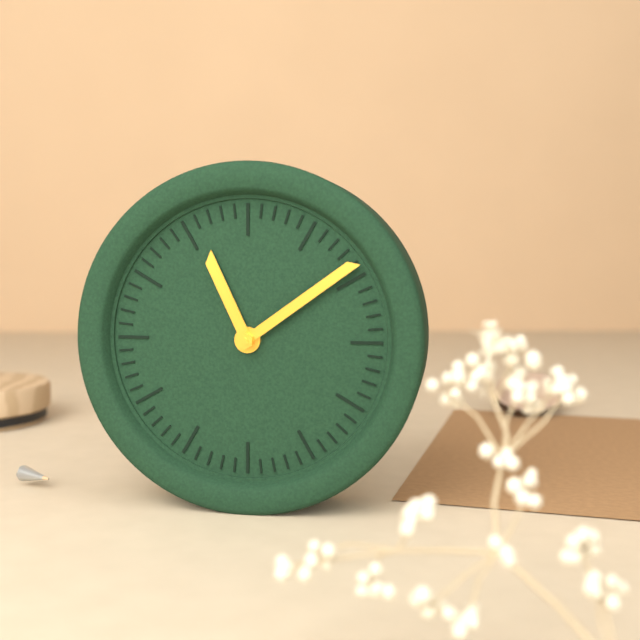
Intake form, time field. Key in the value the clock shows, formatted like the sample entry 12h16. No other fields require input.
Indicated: 11h09
